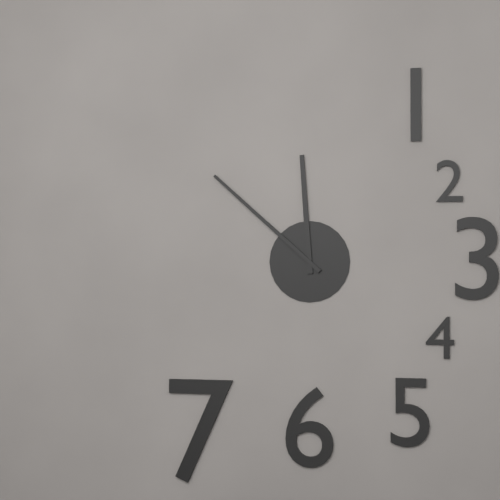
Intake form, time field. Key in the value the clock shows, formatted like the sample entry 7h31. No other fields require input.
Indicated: 11h52
